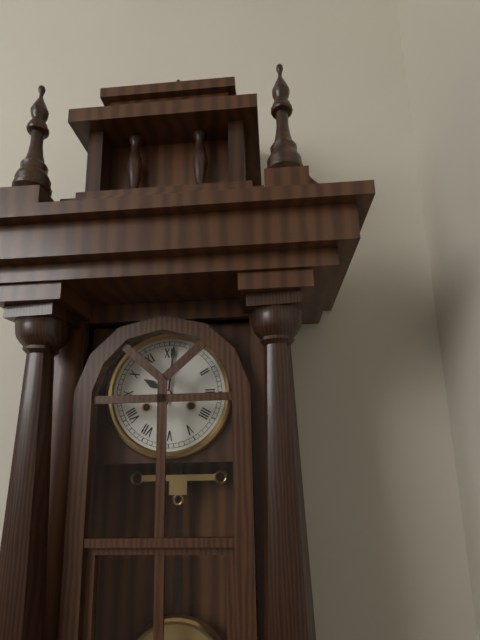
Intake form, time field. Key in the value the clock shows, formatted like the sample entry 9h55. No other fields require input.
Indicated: 10h01
